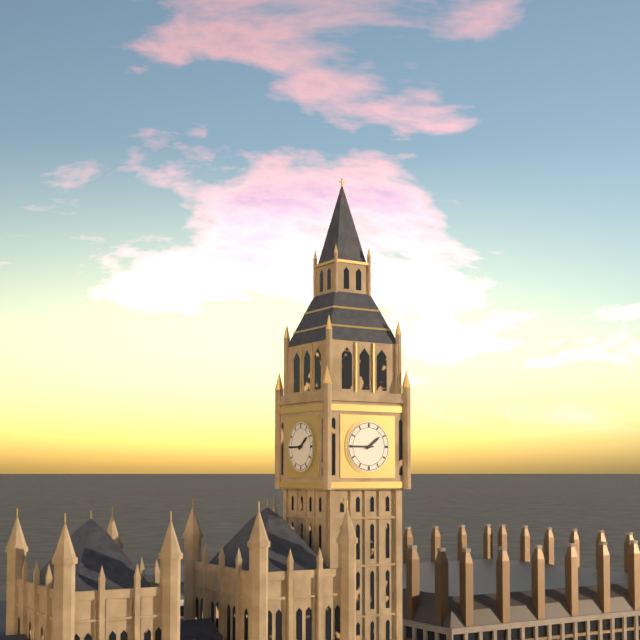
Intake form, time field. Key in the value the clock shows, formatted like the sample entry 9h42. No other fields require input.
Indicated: 1h45
